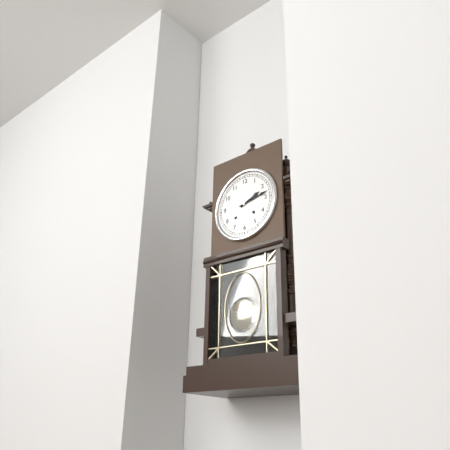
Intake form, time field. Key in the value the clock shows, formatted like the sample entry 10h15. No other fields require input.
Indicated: 2h13
